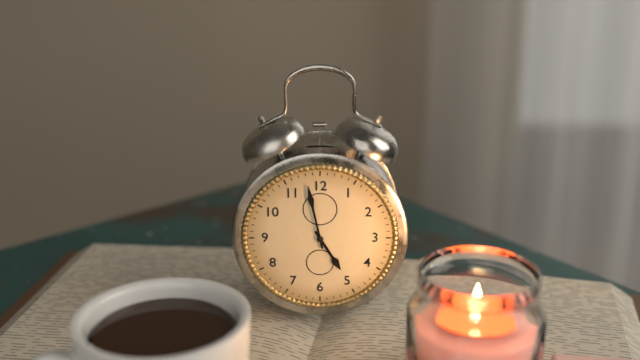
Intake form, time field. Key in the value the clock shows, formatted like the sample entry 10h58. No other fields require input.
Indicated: 4h58
